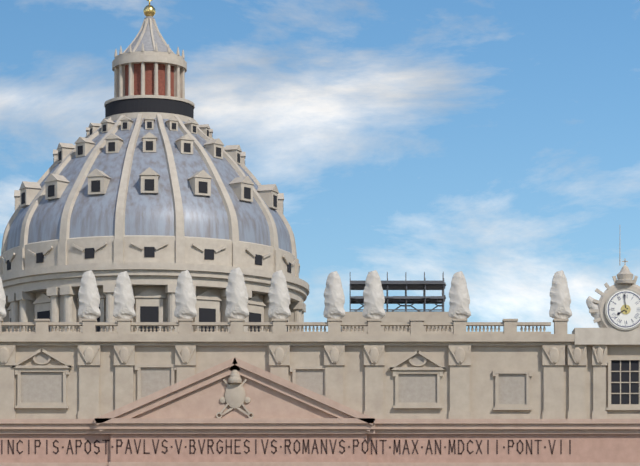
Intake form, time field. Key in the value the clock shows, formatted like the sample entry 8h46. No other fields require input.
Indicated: 7h59
